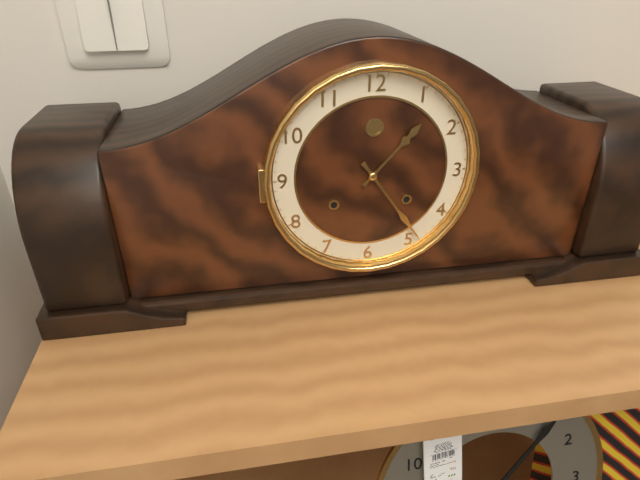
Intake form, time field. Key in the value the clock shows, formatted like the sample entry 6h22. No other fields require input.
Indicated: 1h24
